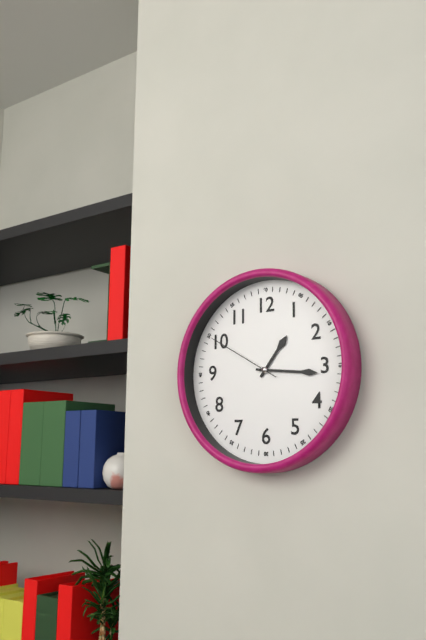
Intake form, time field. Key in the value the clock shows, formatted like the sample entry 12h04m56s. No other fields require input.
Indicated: 1h16m50s
